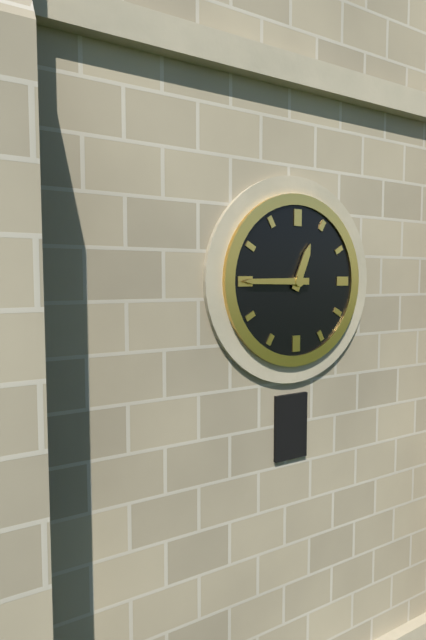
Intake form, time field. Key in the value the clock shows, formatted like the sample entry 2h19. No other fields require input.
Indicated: 12h45
